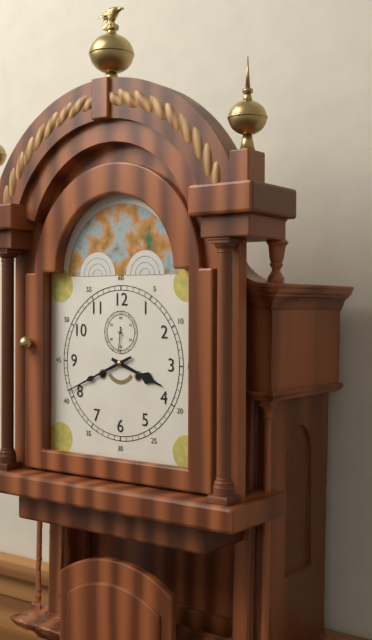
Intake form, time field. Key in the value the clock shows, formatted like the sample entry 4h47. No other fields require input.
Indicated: 3h41
